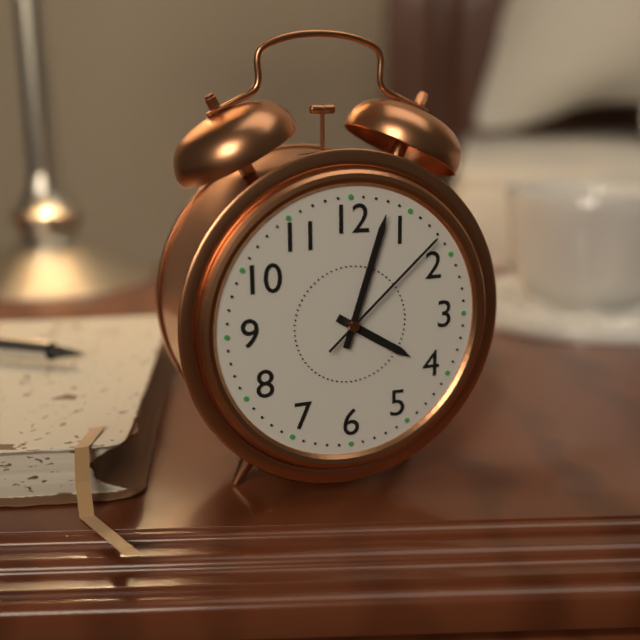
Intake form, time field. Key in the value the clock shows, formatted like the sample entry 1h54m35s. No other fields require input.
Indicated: 4h03m08s
